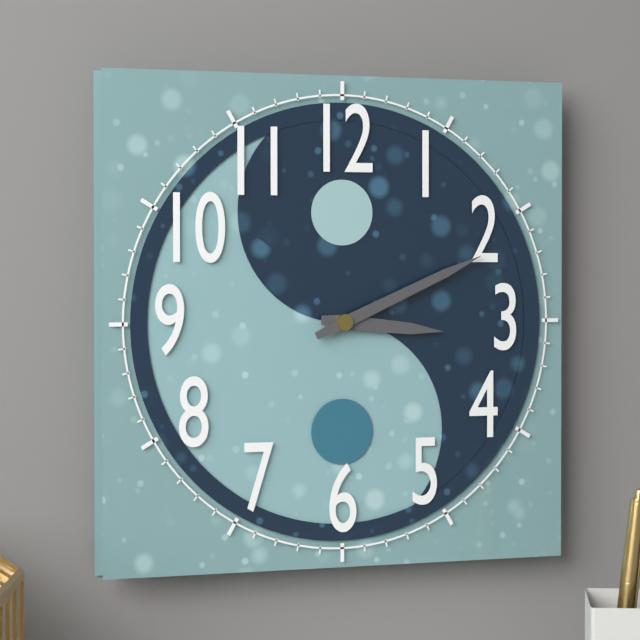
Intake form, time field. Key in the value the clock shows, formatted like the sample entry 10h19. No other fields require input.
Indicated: 3h11
